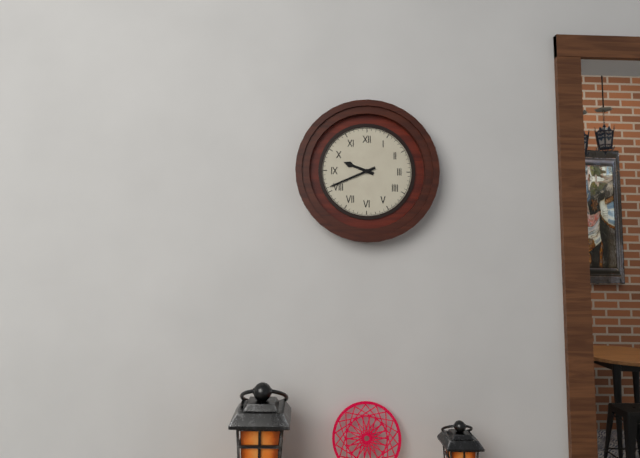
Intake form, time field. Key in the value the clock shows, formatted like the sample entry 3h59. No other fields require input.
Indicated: 9h41
